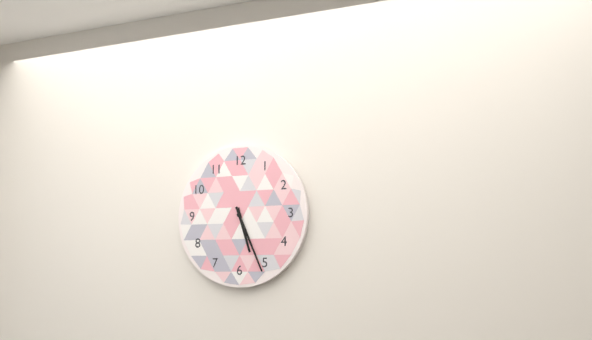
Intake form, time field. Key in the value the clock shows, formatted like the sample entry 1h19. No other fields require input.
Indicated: 5h26
